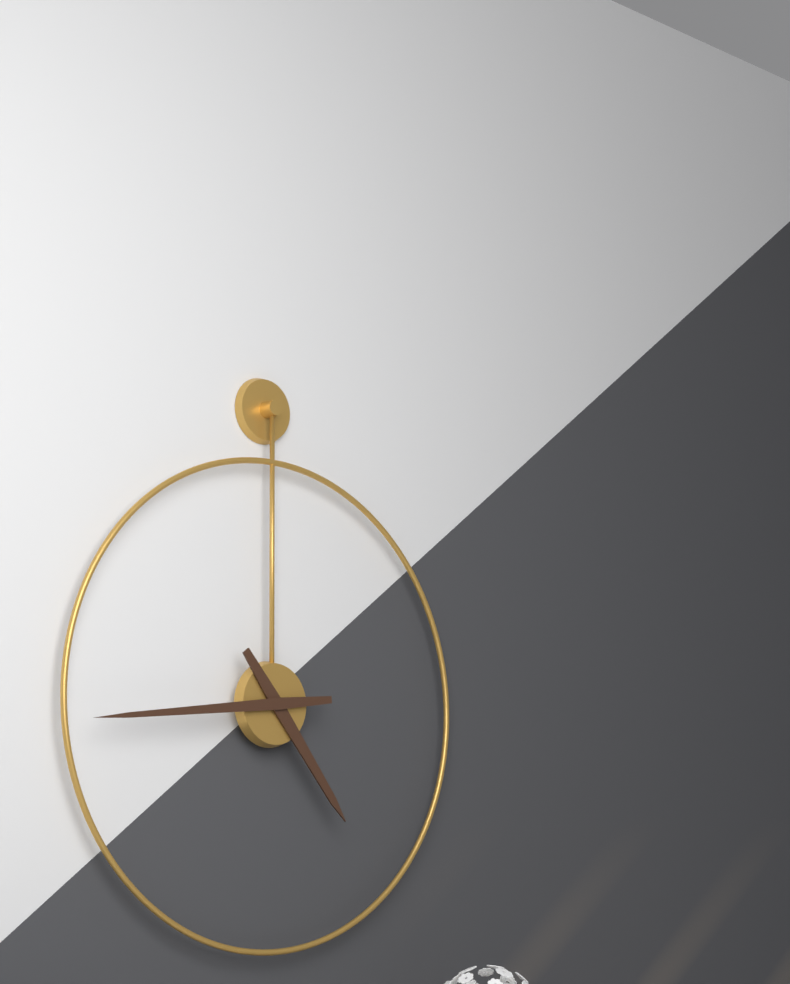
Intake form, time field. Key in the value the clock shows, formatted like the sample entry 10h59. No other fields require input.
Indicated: 4h44
